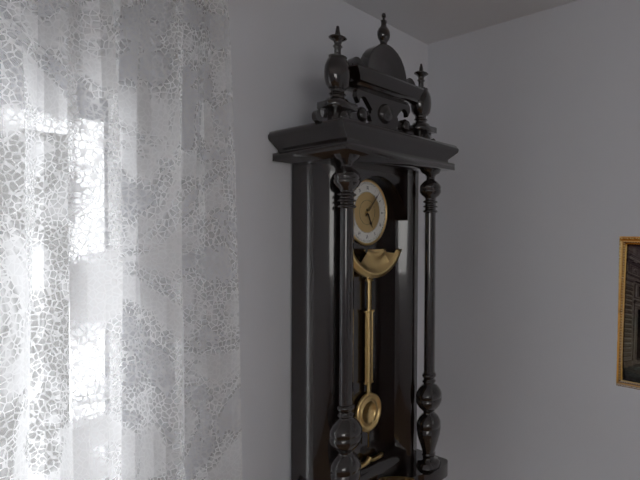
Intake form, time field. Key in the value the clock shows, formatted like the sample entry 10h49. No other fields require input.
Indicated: 5h07
